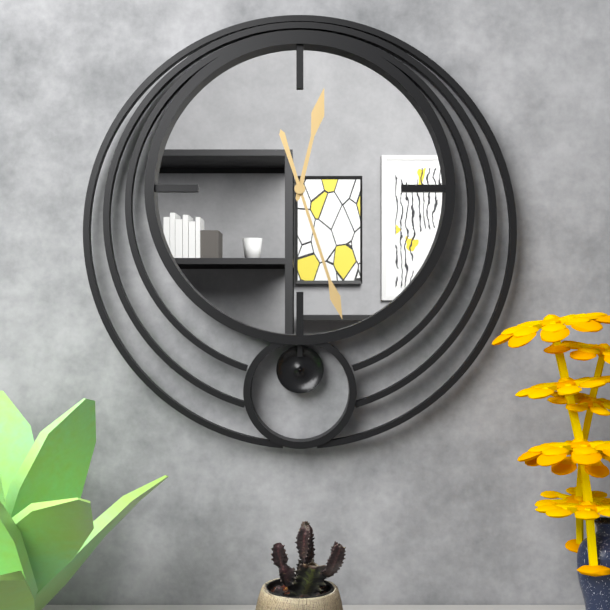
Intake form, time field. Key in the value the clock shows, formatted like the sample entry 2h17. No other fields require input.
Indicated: 12h27
